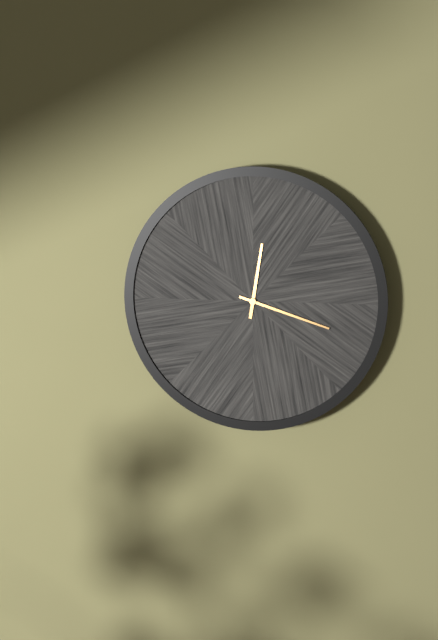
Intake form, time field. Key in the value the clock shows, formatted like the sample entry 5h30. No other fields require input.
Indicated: 12h18
